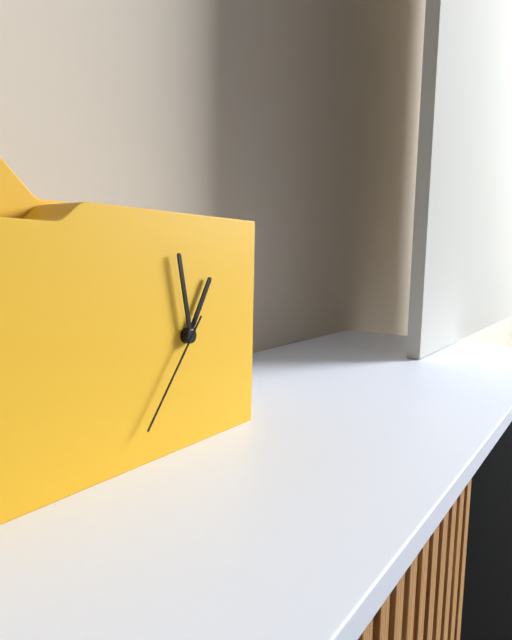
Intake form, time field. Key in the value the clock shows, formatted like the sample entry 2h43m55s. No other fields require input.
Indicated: 12h58m36s
